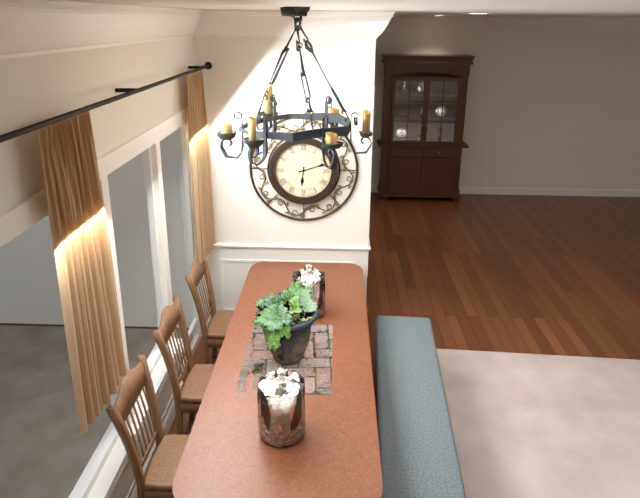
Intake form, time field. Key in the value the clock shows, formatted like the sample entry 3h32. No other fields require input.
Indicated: 6h12
